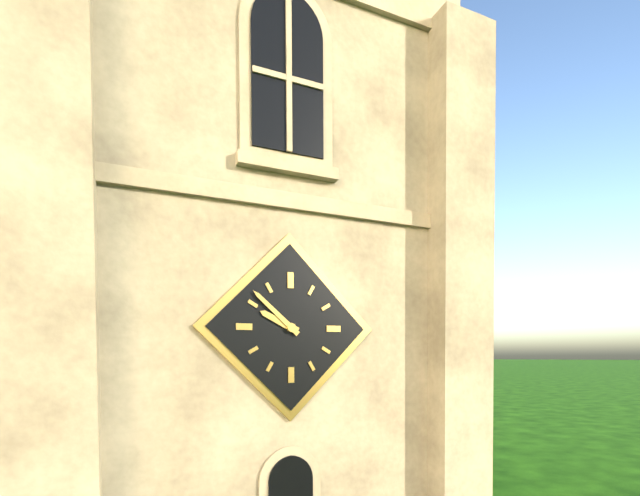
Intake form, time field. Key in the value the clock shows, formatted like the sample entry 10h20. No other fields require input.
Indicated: 9h52
